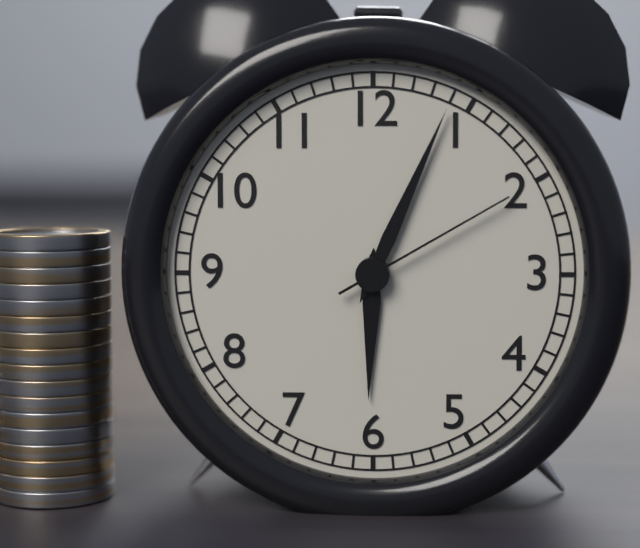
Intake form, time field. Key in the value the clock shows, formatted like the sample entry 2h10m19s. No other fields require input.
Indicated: 6h04m10s
